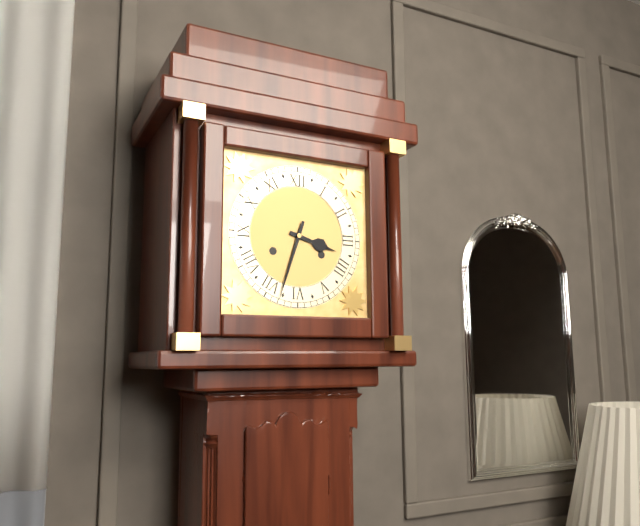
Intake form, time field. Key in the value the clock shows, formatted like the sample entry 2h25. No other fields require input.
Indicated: 3h33
